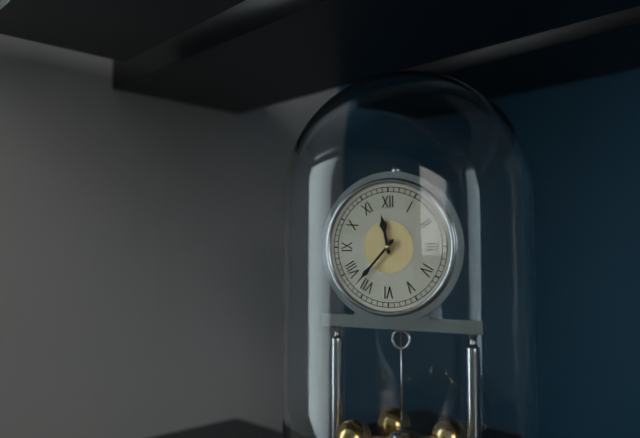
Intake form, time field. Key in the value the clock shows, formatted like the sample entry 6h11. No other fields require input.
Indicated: 11h37
